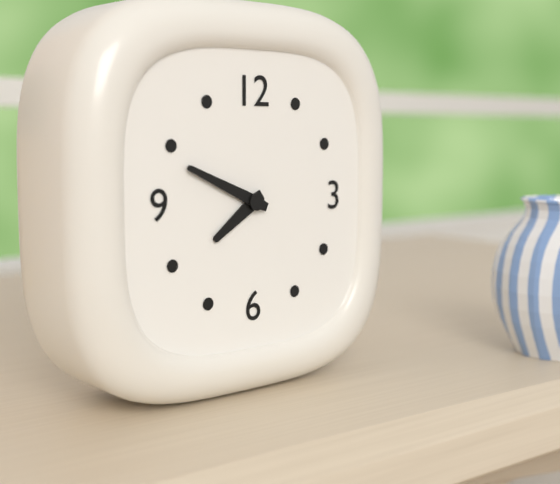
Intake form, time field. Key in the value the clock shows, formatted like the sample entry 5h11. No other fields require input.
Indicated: 7h49
